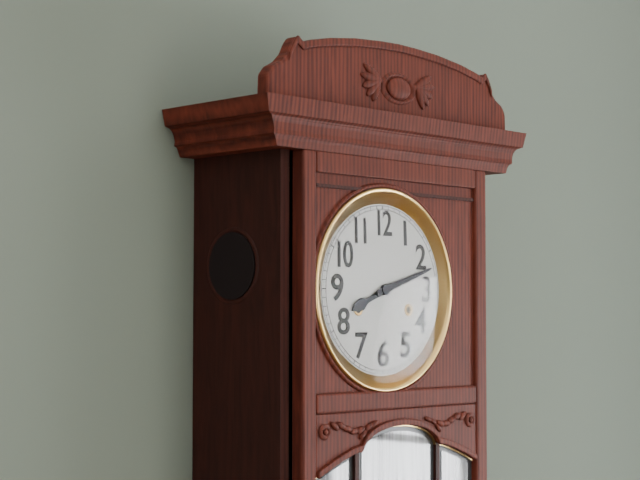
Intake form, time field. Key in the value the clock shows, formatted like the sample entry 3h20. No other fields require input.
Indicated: 8h12
